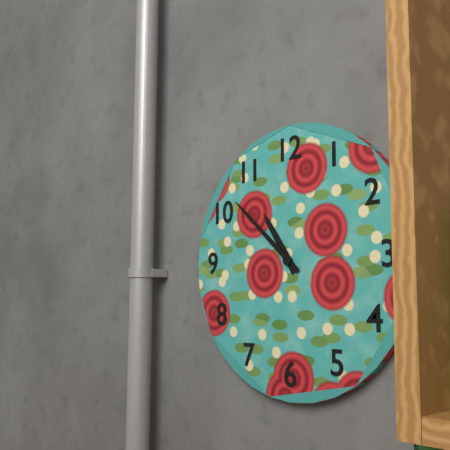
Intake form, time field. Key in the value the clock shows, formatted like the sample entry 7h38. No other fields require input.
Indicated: 10h52
